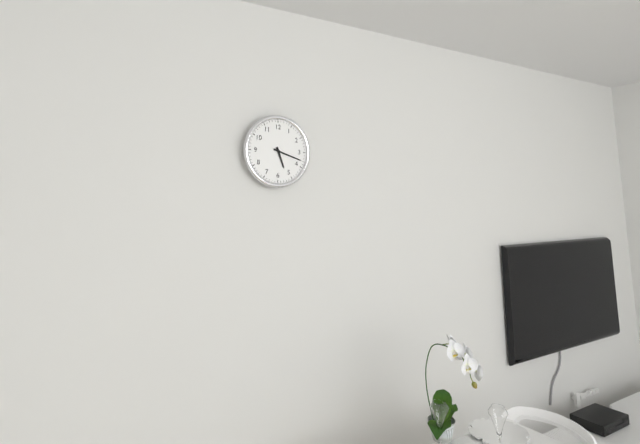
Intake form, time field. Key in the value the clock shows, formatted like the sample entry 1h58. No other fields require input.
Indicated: 5h18
